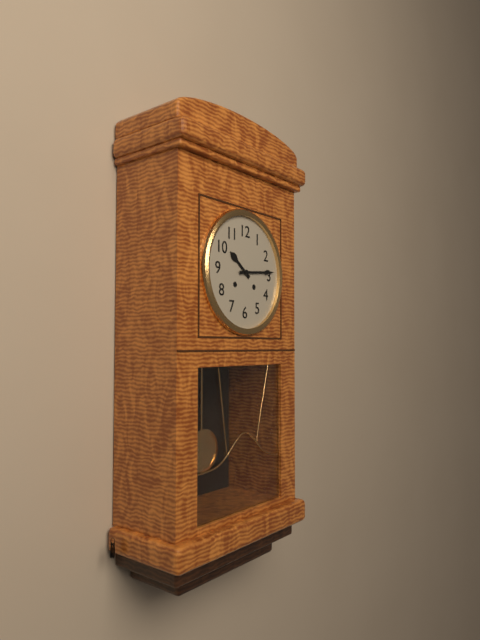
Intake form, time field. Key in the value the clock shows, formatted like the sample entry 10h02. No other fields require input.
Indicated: 10h14
